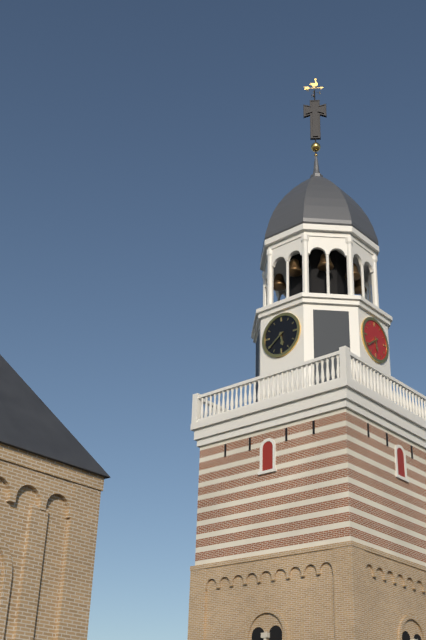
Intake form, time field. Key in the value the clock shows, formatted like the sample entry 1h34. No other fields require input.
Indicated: 5h39
